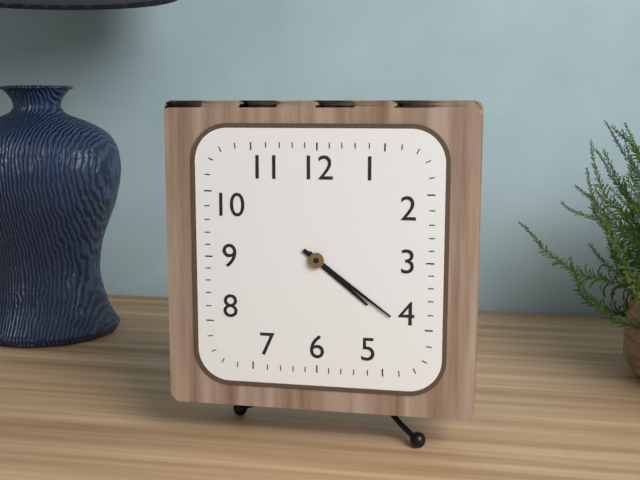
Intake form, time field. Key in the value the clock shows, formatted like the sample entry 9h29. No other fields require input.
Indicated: 4h21
